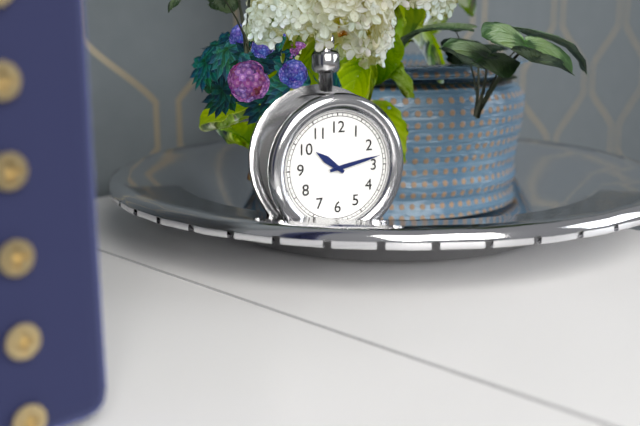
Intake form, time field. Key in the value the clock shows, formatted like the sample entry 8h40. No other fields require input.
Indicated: 10h13
